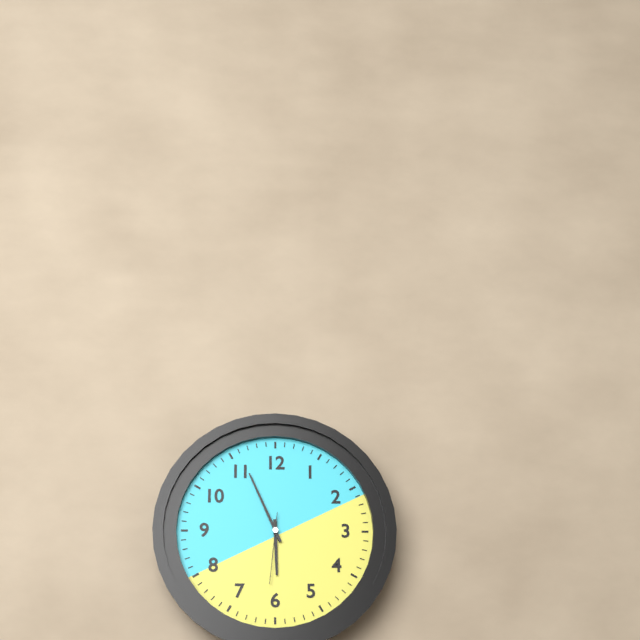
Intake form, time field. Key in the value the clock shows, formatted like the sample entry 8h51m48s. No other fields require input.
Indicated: 5h56m31s
